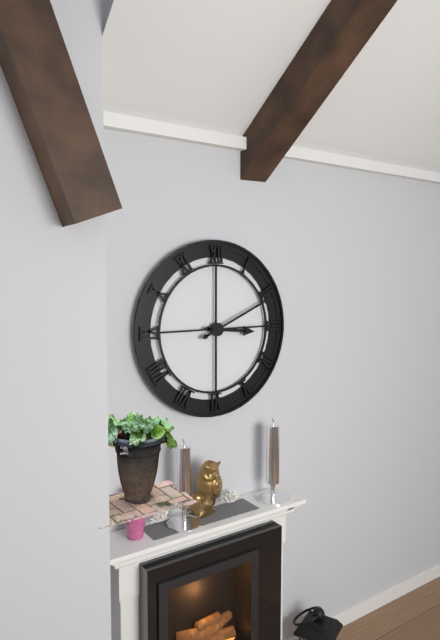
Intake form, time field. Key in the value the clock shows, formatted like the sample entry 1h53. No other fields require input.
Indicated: 3h11
